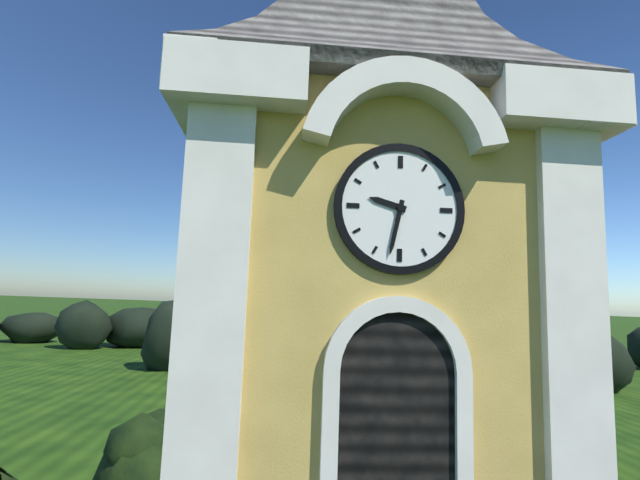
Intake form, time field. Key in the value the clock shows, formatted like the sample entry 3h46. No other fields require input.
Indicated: 9h32
